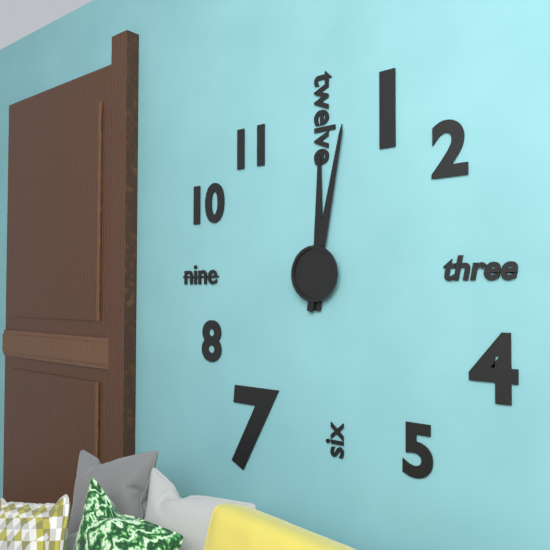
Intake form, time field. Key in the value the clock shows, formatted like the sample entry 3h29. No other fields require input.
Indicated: 12h02
